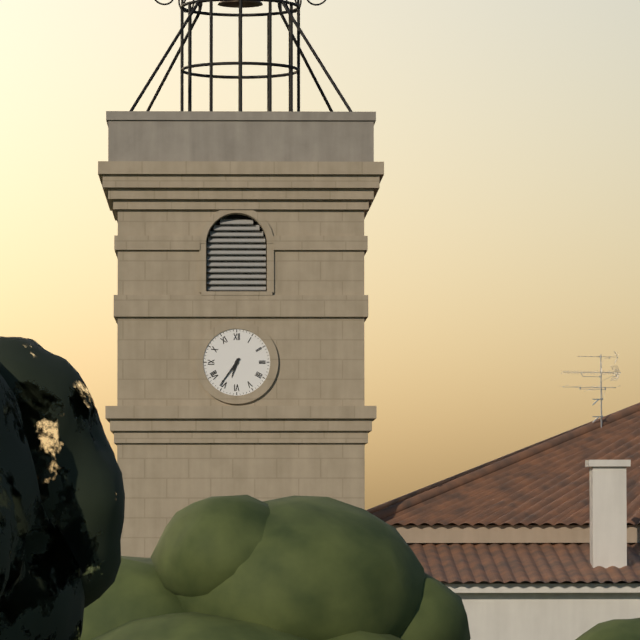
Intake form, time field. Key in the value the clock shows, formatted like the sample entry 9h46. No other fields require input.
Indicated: 6h36
